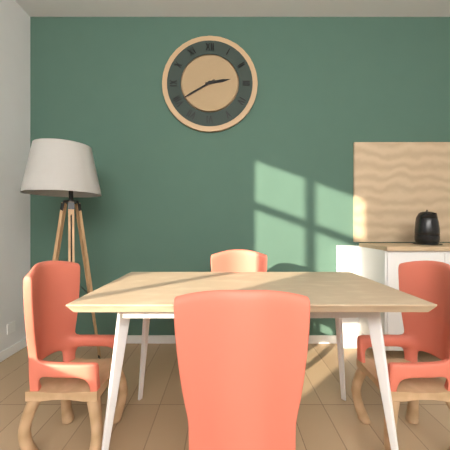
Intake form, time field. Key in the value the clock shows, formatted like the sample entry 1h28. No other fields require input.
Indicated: 2h40
